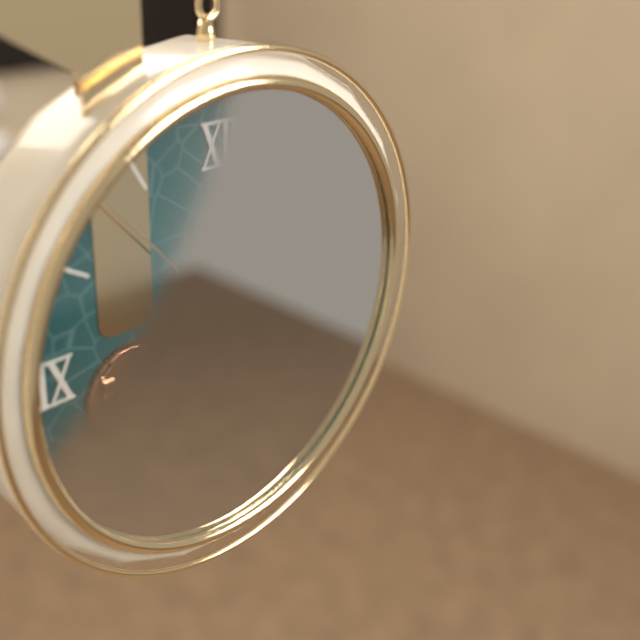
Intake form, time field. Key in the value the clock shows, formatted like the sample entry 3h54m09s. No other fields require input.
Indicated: 5h32m53s
